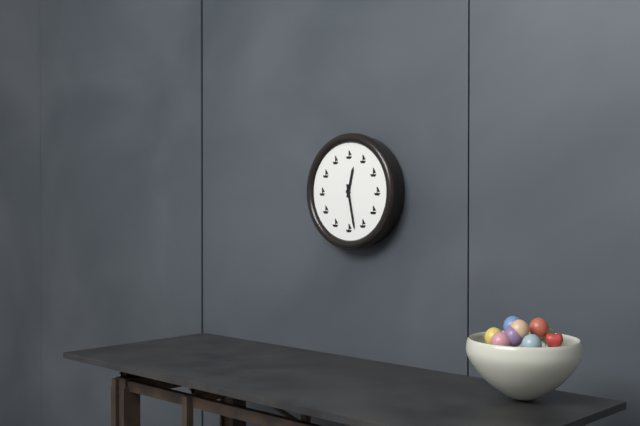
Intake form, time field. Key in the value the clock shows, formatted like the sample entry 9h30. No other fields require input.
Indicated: 12h28
